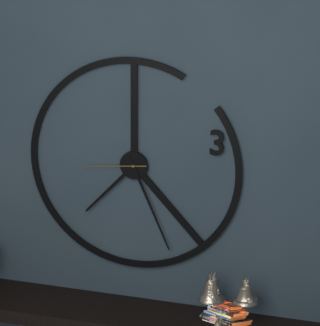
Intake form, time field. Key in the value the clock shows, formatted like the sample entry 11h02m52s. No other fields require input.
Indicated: 7h26m44s
